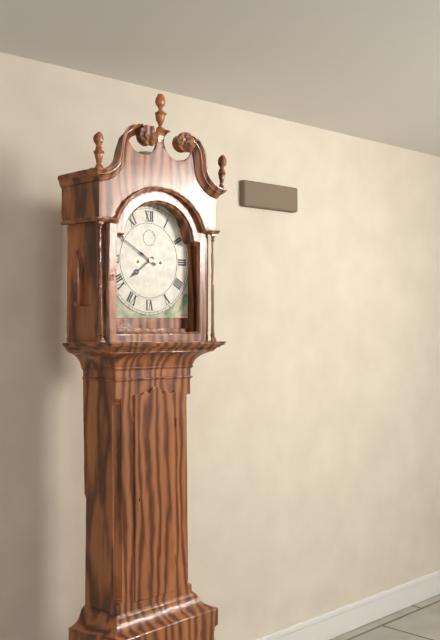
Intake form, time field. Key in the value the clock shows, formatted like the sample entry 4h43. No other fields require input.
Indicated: 7h50
